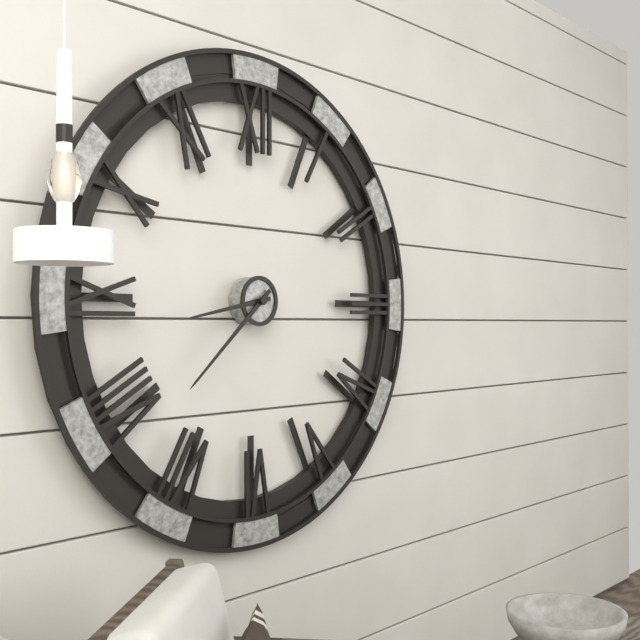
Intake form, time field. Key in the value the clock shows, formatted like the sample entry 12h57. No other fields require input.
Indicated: 8h38
